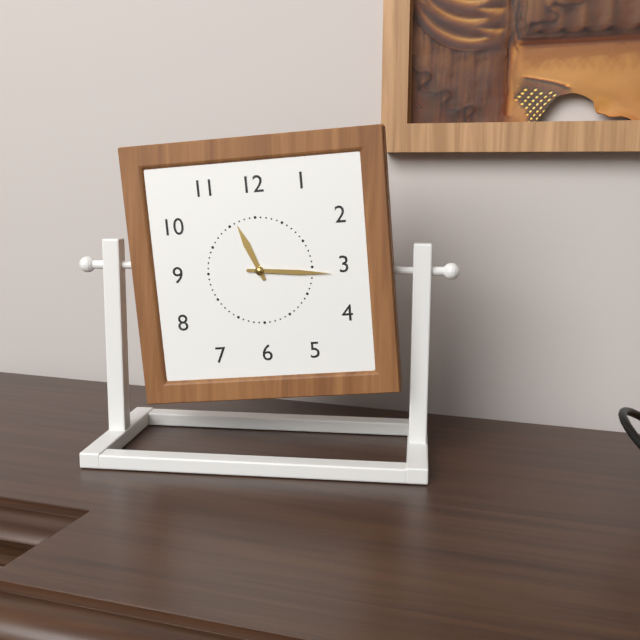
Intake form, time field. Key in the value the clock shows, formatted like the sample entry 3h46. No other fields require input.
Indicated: 11h16
